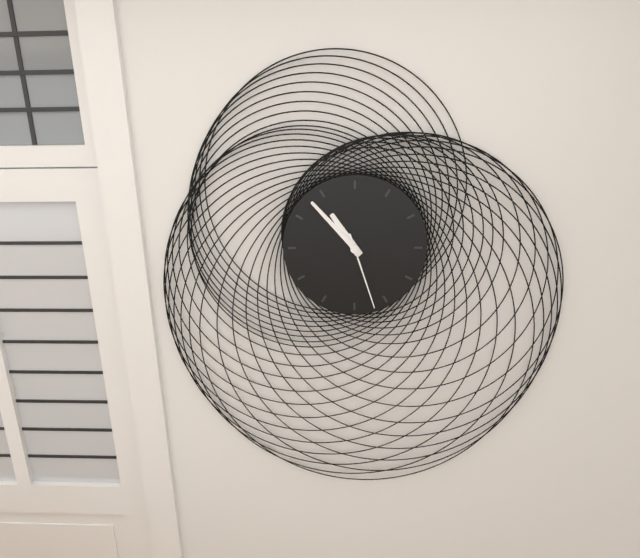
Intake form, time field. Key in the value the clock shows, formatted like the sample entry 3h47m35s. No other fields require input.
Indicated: 10h53m27s
